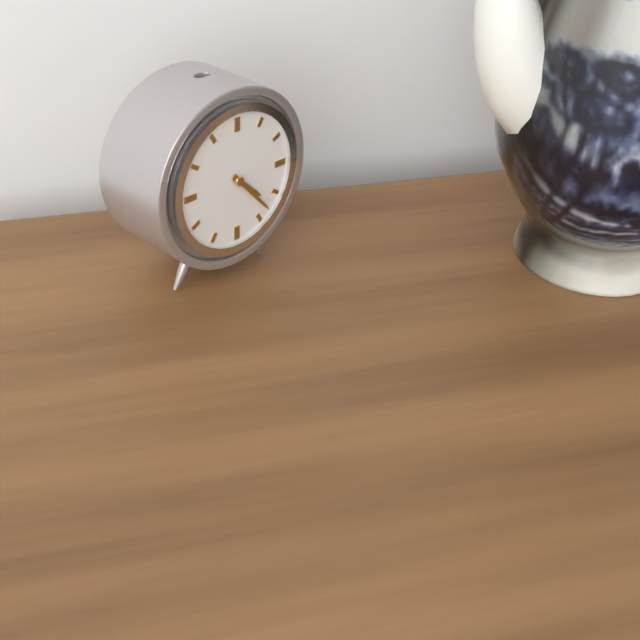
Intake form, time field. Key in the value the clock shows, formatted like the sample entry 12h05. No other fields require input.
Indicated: 4h23
